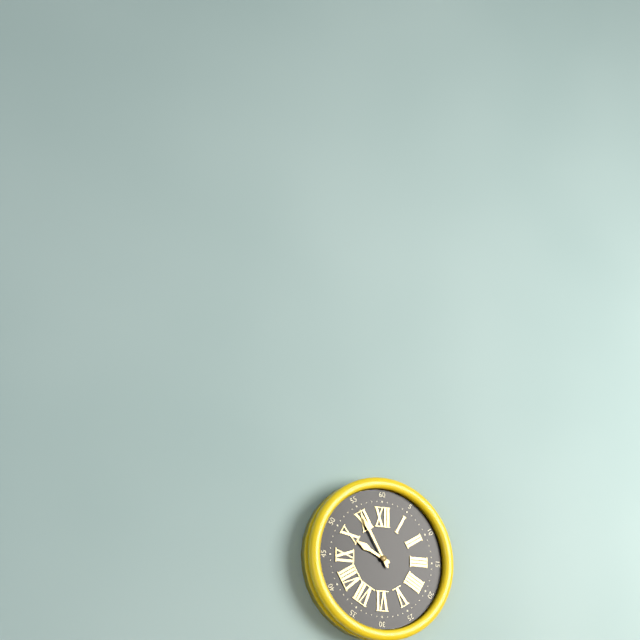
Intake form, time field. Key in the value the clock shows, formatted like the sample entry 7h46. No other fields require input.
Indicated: 9h55
